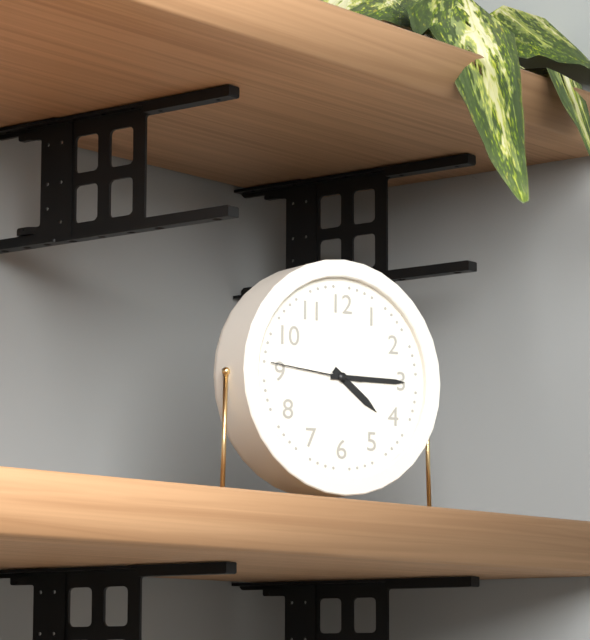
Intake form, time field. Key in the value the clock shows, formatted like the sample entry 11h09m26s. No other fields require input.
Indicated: 4h15m46s
